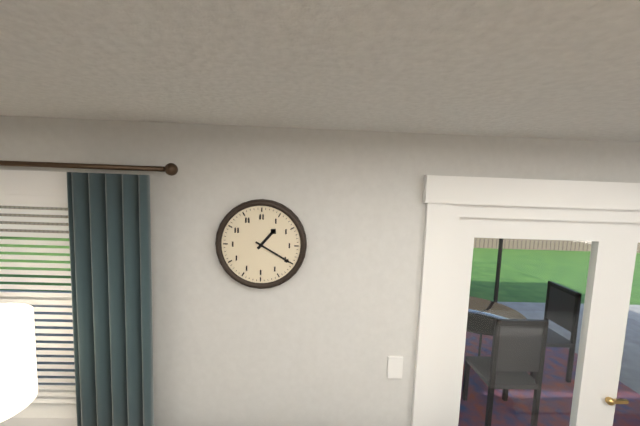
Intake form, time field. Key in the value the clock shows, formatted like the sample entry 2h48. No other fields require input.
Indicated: 1h20
